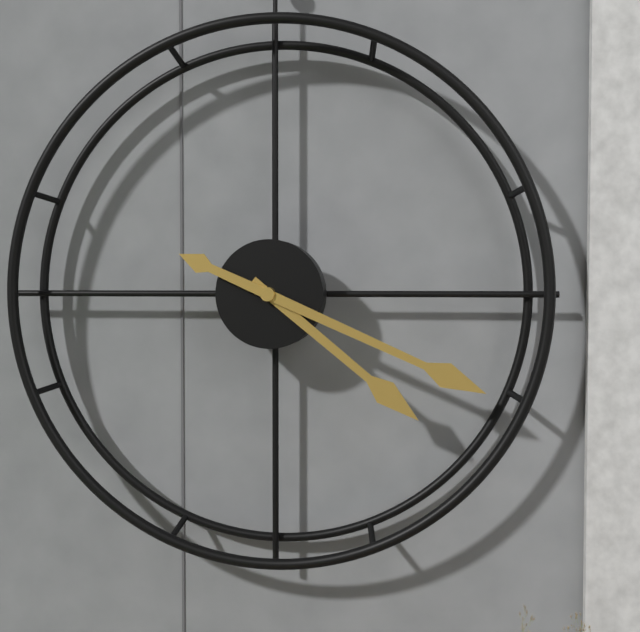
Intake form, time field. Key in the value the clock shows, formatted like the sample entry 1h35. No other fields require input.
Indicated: 4h19
